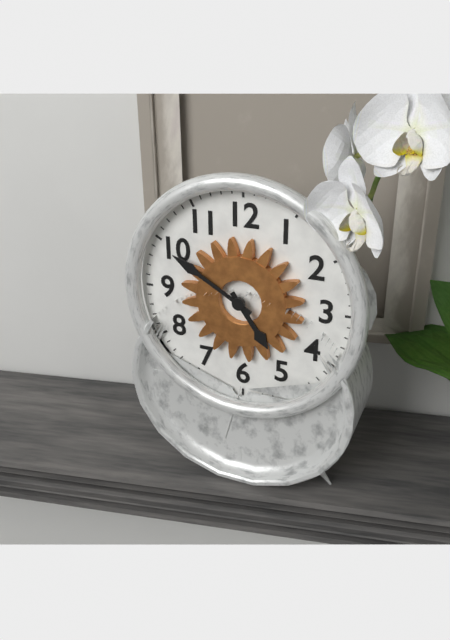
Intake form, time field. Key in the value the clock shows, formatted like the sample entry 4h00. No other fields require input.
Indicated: 4h50
